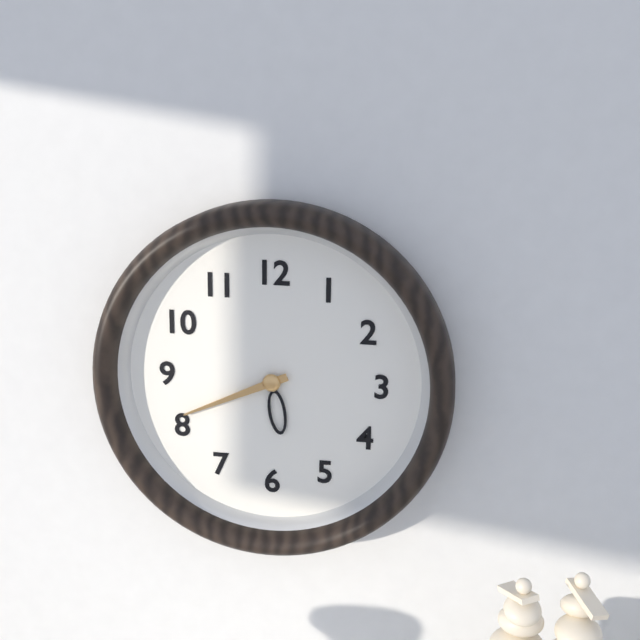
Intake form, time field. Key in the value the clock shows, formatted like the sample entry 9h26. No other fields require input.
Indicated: 5h41
